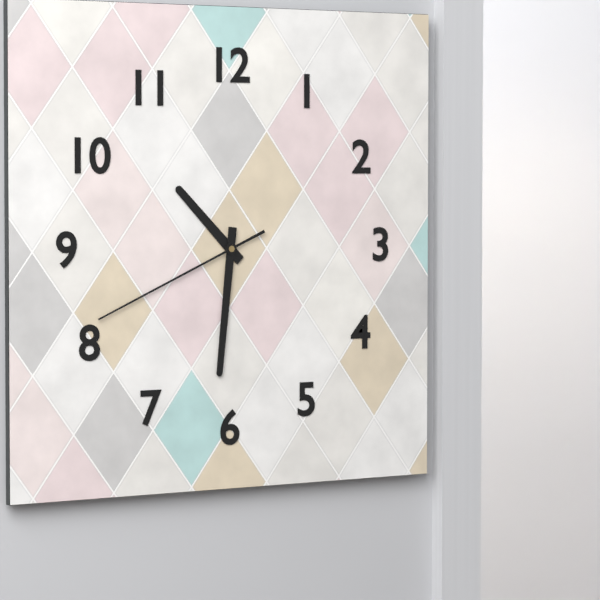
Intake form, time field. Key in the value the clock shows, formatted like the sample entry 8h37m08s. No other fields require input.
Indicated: 10h31m41s
